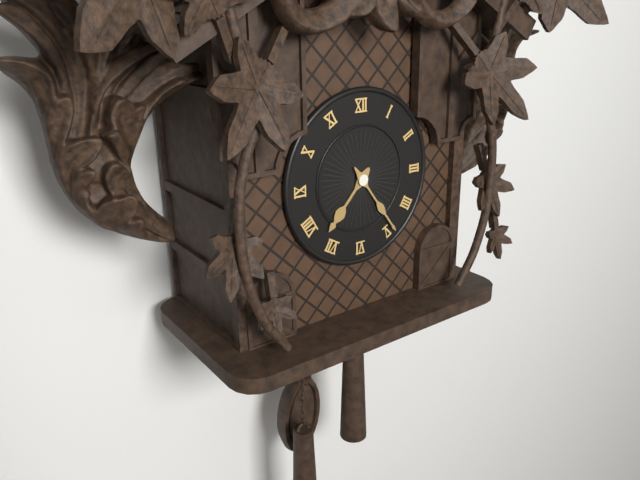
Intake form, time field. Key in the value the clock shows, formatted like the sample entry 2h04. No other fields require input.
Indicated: 7h24
